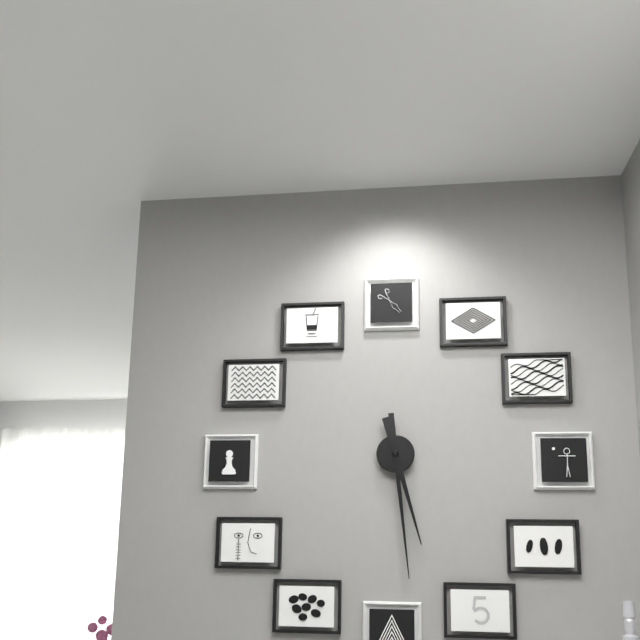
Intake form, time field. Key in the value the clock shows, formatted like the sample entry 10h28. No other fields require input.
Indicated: 5h29
